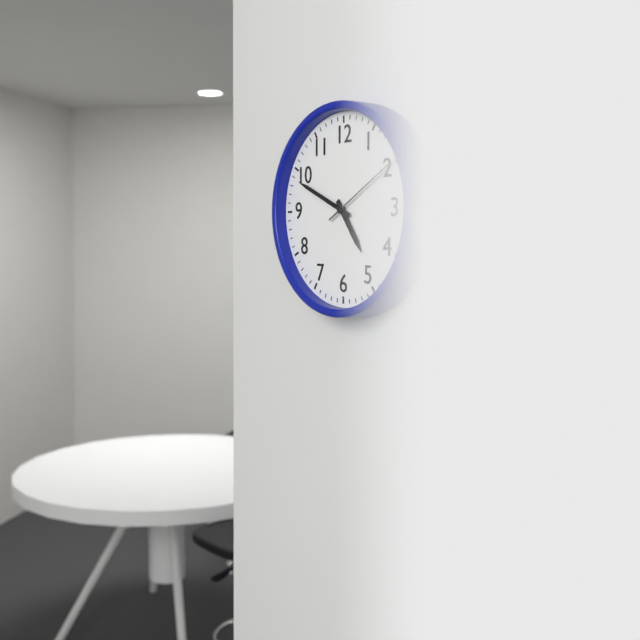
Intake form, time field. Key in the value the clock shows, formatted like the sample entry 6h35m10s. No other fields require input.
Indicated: 4h49m10s
